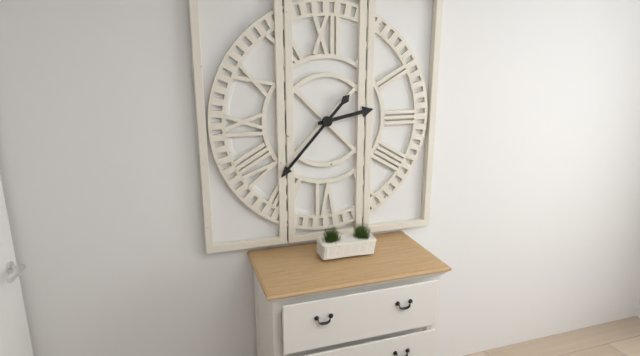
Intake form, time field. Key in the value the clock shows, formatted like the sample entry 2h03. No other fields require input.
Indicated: 2h37
